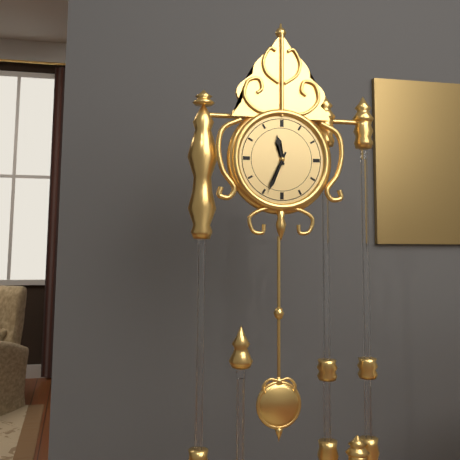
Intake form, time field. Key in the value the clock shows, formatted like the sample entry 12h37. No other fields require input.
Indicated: 11h34
